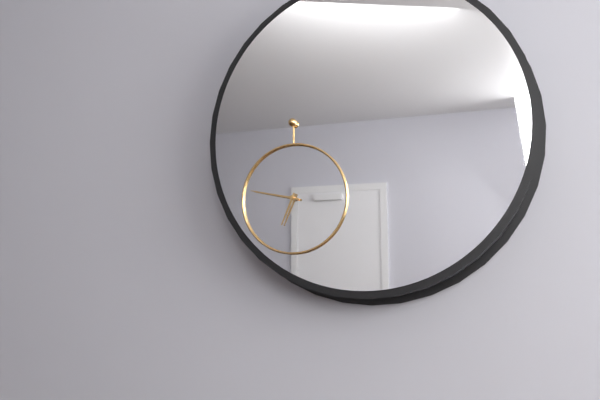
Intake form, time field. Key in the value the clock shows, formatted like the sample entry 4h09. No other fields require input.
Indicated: 6h47
